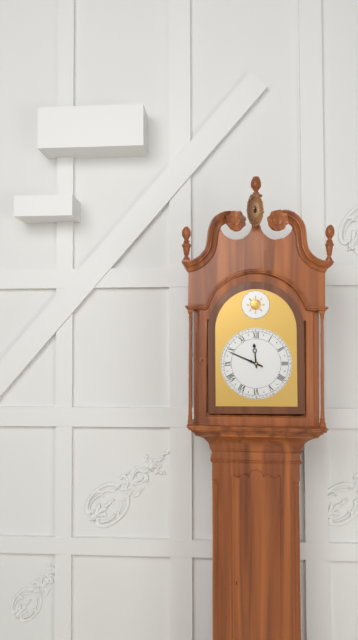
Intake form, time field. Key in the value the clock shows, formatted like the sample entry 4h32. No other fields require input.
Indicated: 11h49
